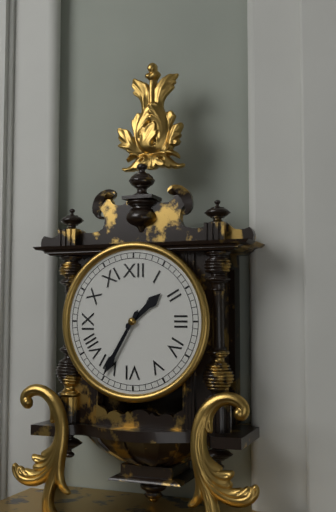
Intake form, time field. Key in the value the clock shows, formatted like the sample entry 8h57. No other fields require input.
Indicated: 1h35
